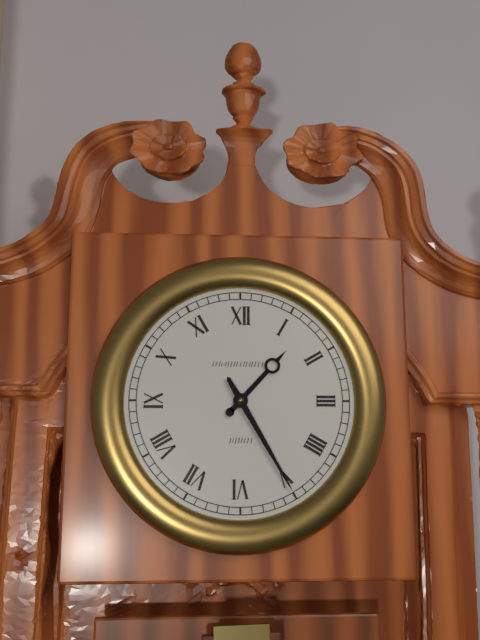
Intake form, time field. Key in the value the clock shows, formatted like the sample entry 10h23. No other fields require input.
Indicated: 1h25
